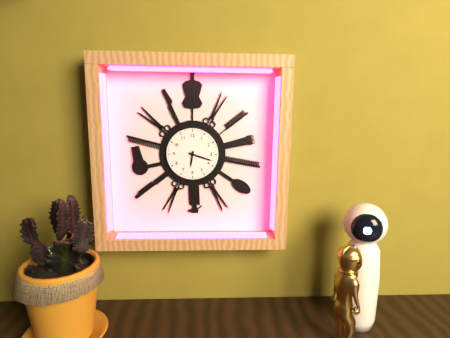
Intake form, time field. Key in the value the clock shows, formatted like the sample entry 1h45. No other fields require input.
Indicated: 6h18
